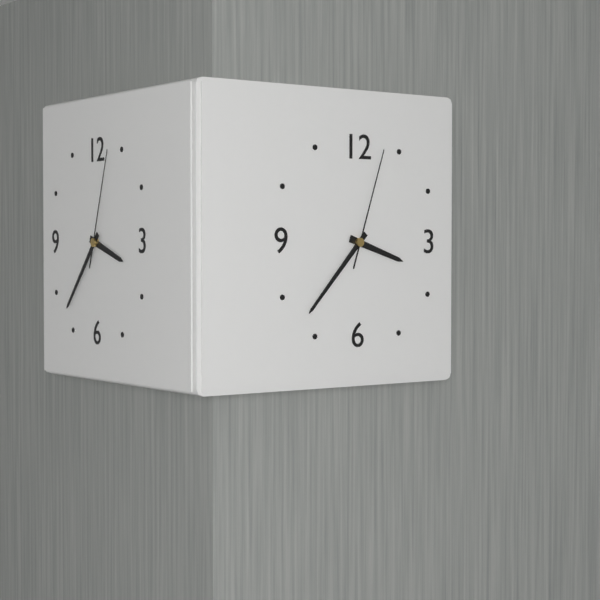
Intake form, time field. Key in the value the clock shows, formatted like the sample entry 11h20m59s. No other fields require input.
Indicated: 3h37m03s
